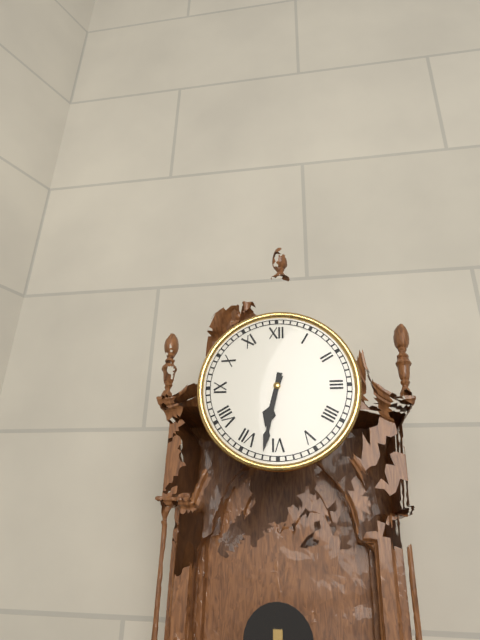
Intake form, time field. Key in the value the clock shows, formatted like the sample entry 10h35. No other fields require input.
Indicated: 6h32
